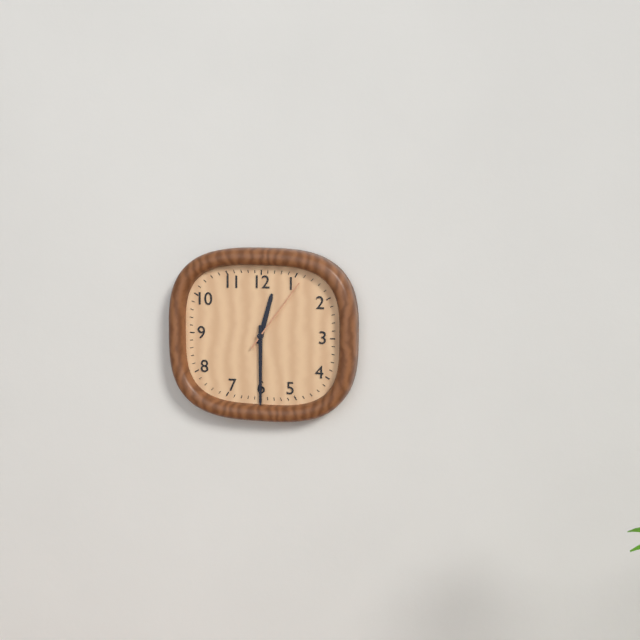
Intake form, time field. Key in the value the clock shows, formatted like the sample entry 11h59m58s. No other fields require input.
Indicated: 12h30m06s
